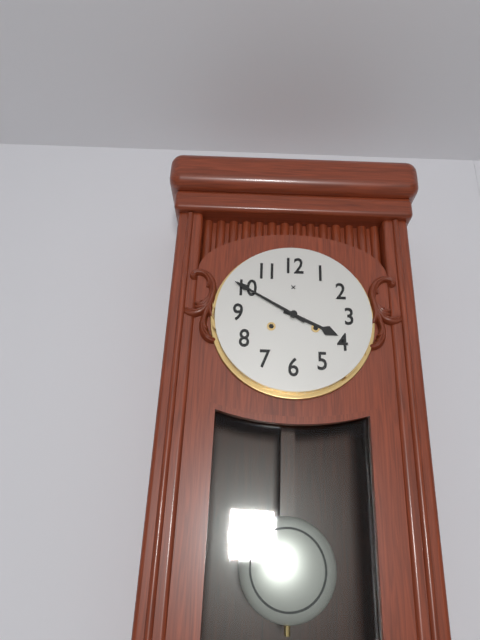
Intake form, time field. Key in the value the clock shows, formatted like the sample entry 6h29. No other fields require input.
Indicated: 3h50
